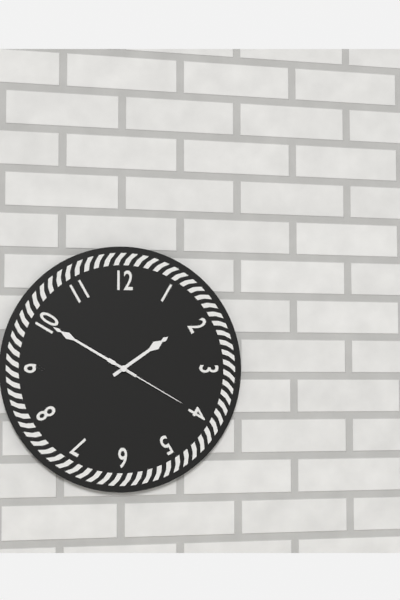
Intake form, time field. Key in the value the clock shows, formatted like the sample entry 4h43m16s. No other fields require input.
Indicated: 1h50m20s
